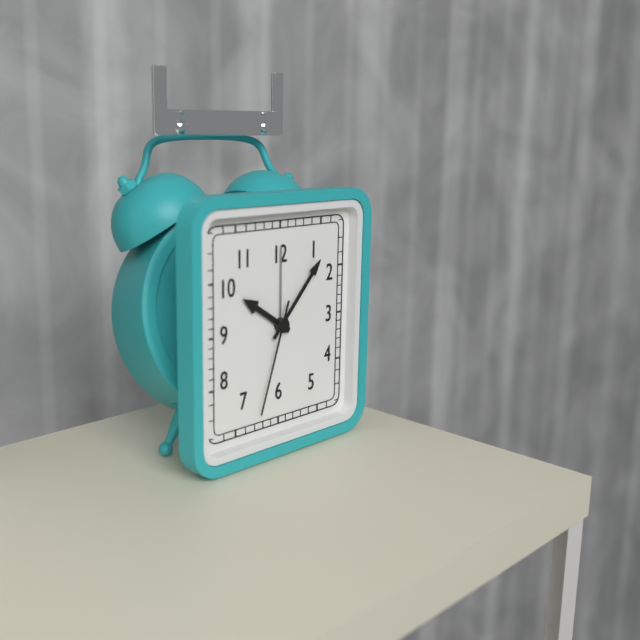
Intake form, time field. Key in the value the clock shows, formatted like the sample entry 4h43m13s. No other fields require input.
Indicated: 10h07m33s
